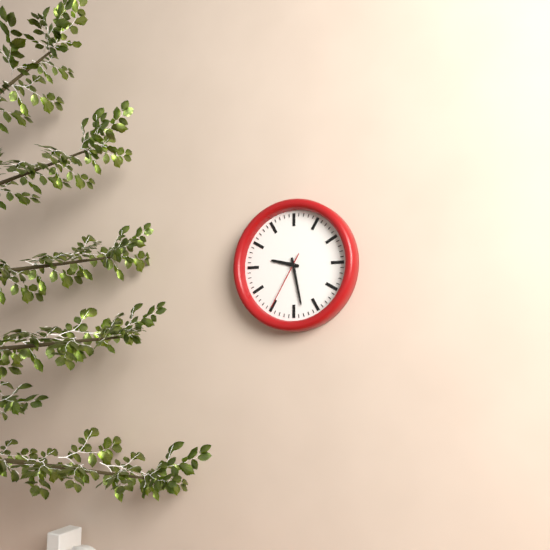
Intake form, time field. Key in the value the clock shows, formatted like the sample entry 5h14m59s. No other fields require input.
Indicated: 9h28m35s
